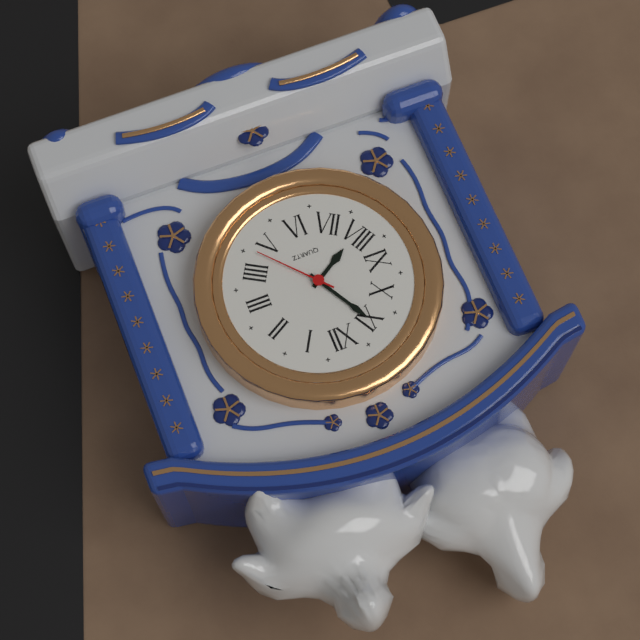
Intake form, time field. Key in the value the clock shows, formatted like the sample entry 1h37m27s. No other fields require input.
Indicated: 7h55m23s
